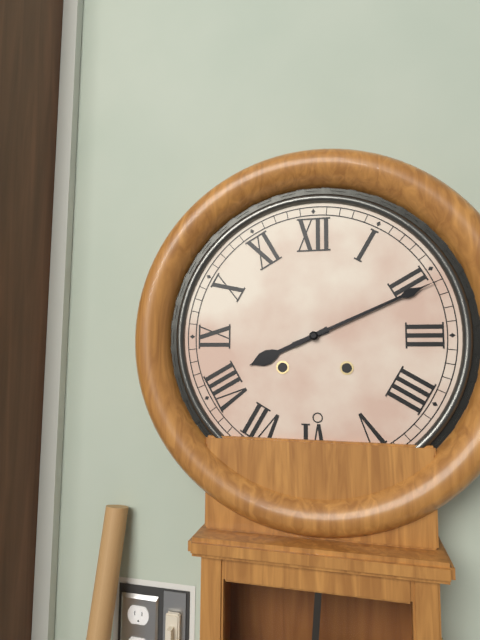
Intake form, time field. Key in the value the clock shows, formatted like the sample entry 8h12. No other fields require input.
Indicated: 8h11
